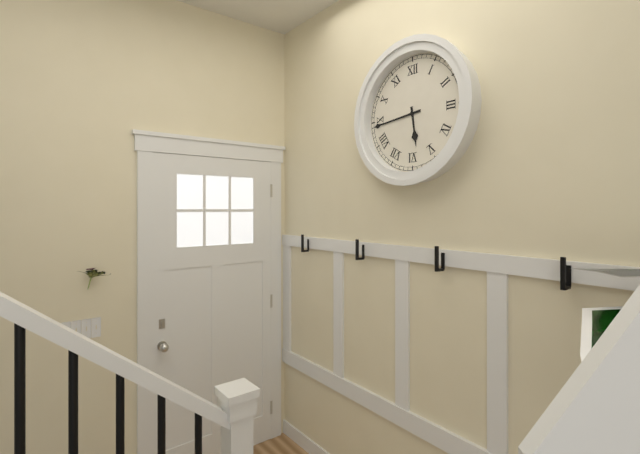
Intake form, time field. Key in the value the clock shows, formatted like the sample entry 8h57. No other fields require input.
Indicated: 5h44
